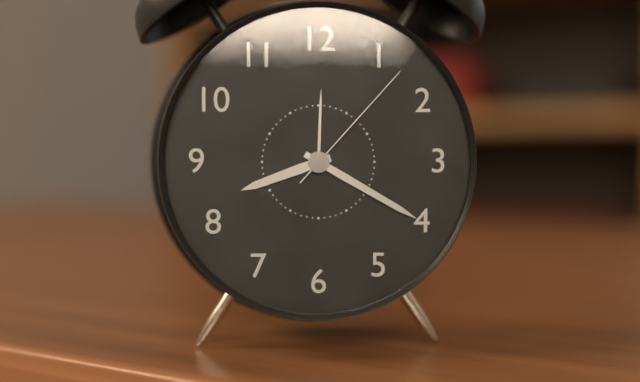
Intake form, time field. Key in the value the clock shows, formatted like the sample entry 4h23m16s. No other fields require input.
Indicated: 8h20m07s
